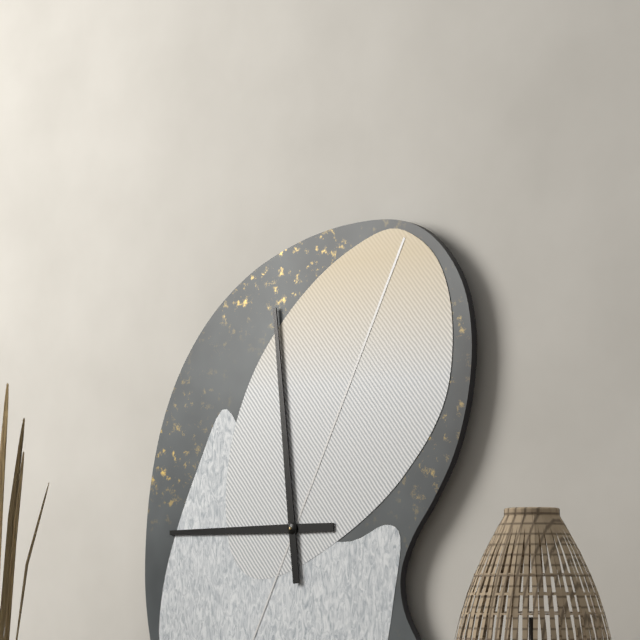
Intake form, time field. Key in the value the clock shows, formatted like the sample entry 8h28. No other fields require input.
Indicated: 8h59
